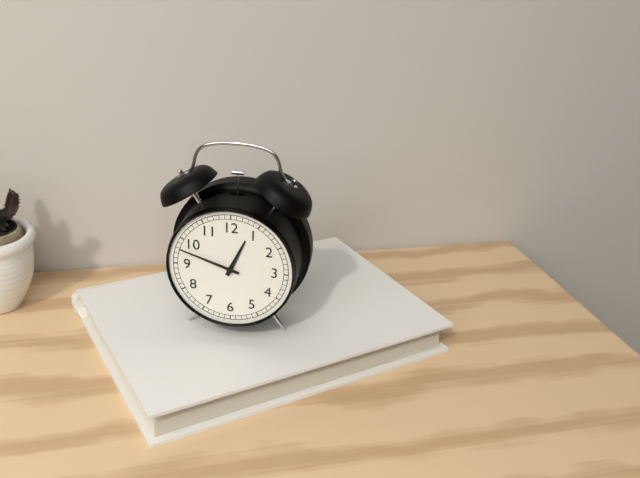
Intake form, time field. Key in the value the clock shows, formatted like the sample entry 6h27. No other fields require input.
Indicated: 12h48
